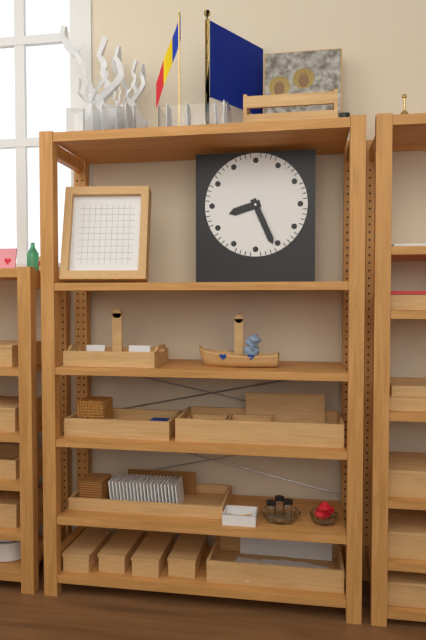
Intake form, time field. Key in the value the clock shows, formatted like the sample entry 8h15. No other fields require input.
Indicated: 8h26
